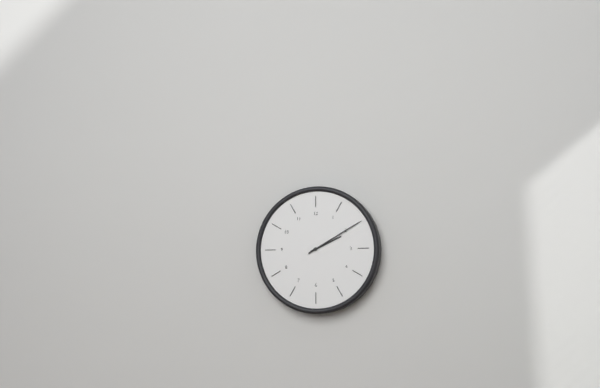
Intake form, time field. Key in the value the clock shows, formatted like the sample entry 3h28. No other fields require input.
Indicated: 2h10
